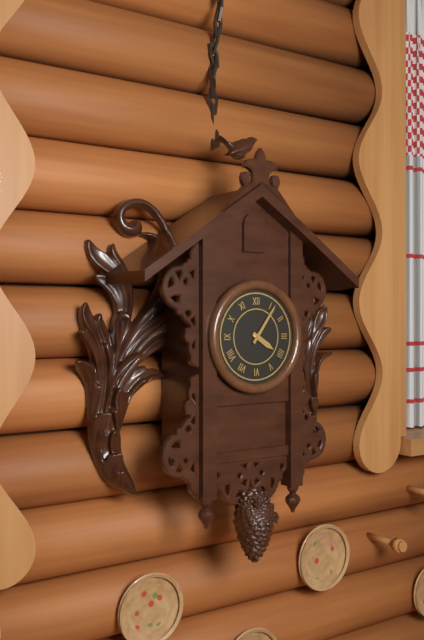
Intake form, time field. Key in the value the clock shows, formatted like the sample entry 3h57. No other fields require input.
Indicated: 4h06
